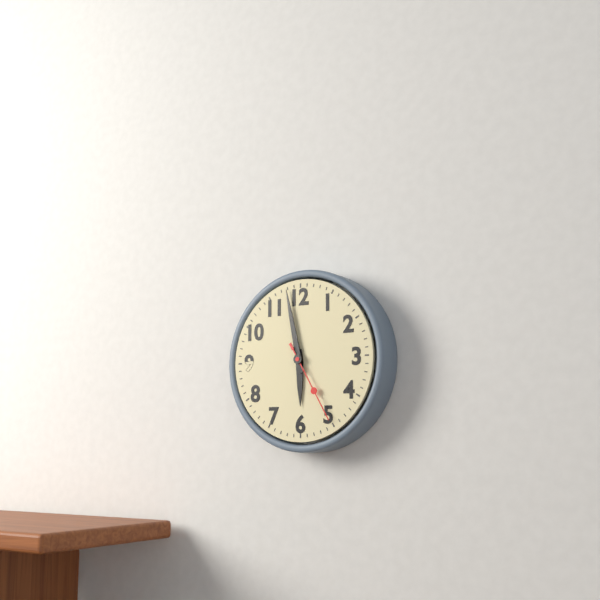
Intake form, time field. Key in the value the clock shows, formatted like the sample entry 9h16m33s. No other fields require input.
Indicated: 5h58m25s
